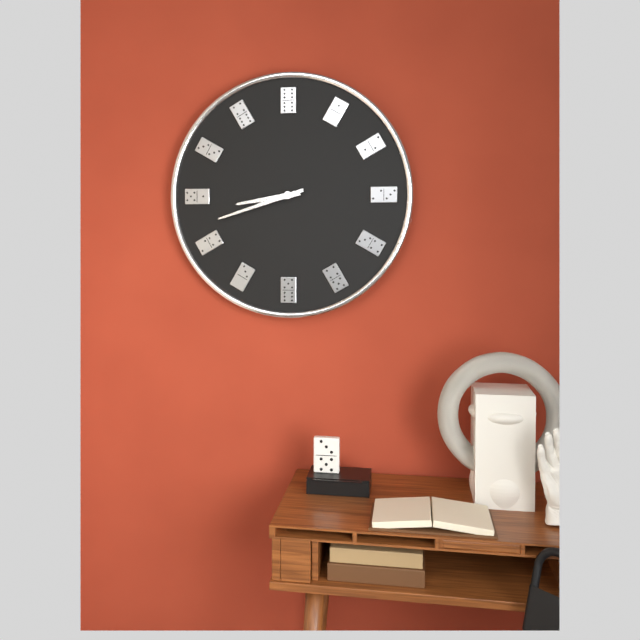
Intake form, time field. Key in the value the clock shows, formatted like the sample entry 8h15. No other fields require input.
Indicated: 8h42
